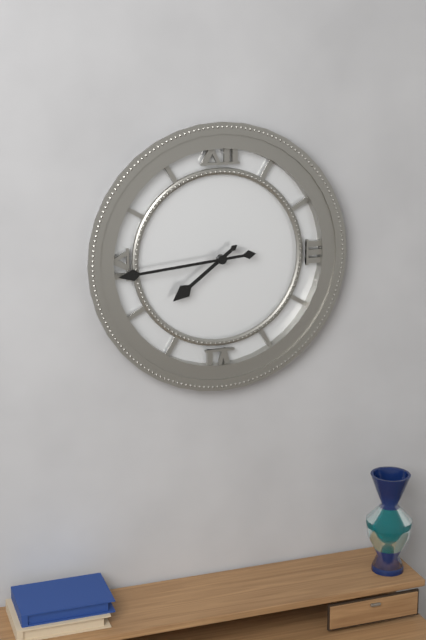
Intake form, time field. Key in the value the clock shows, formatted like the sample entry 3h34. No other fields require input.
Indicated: 7h44
